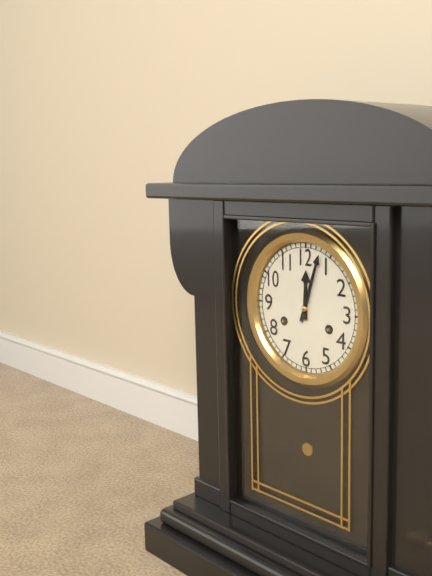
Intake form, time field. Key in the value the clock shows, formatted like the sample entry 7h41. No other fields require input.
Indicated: 12h03
